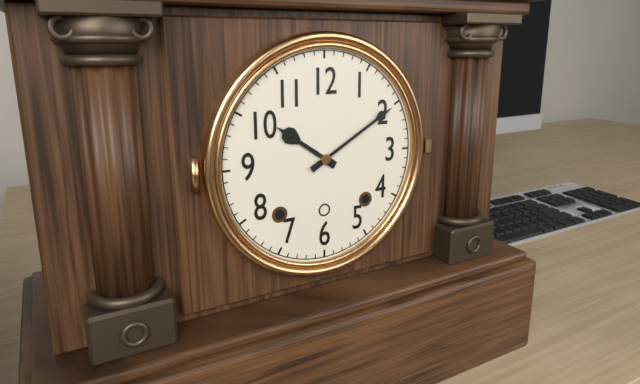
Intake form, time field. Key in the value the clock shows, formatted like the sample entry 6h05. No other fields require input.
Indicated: 10h10
